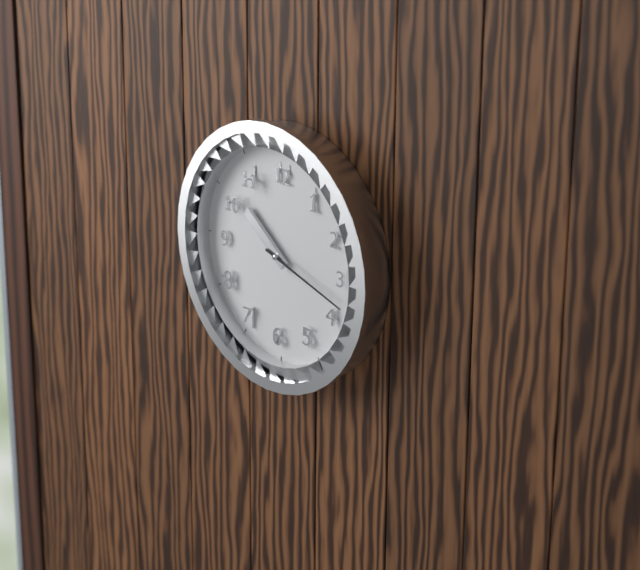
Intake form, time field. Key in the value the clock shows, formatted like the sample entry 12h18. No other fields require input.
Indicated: 10h18
